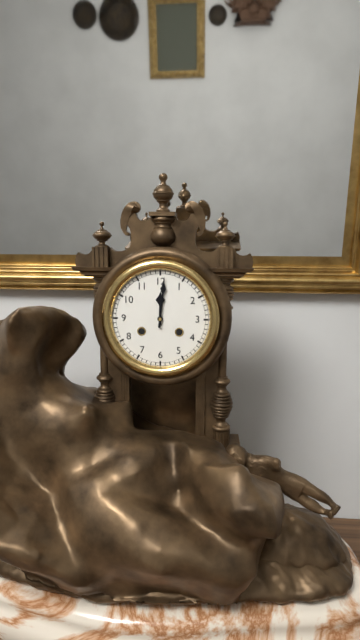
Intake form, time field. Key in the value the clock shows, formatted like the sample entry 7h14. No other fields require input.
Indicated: 12h01
